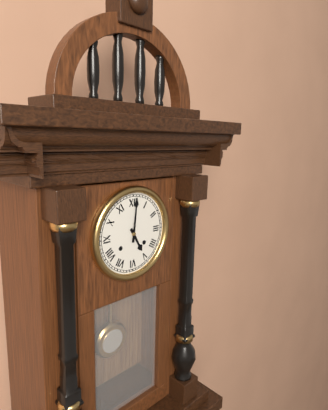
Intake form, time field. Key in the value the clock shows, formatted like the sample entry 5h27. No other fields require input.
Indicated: 5h01
